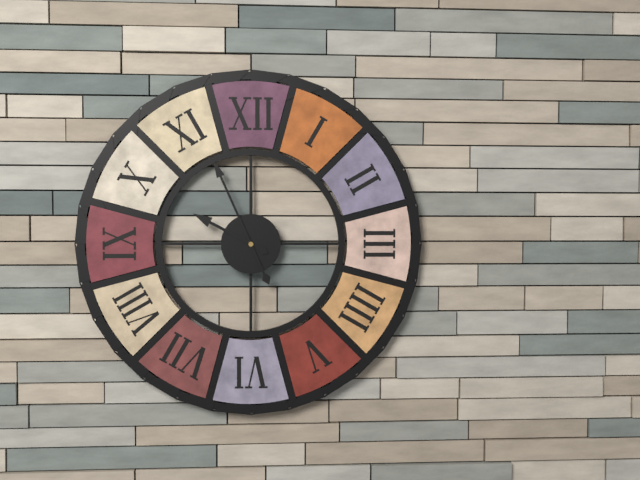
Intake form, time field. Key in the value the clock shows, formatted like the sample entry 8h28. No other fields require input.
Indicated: 9h56
